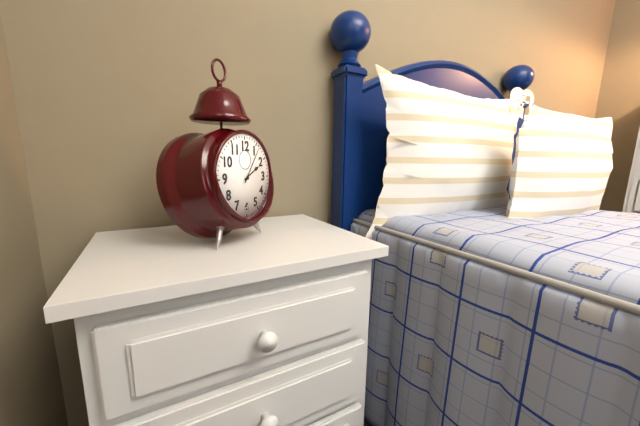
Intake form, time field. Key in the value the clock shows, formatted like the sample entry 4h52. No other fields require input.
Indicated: 2h06
